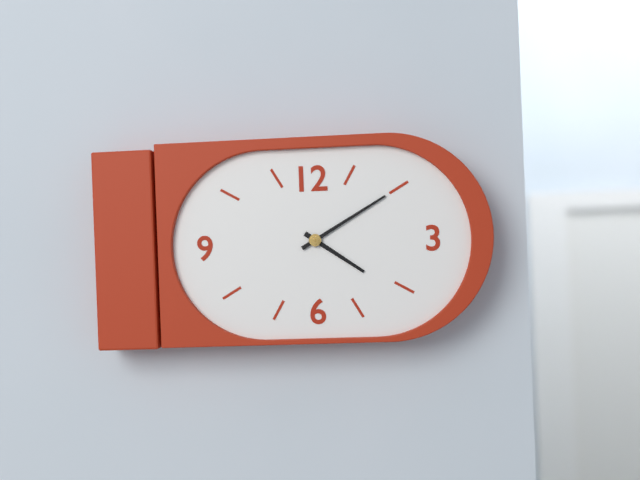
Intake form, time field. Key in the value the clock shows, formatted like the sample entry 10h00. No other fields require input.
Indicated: 4h10
